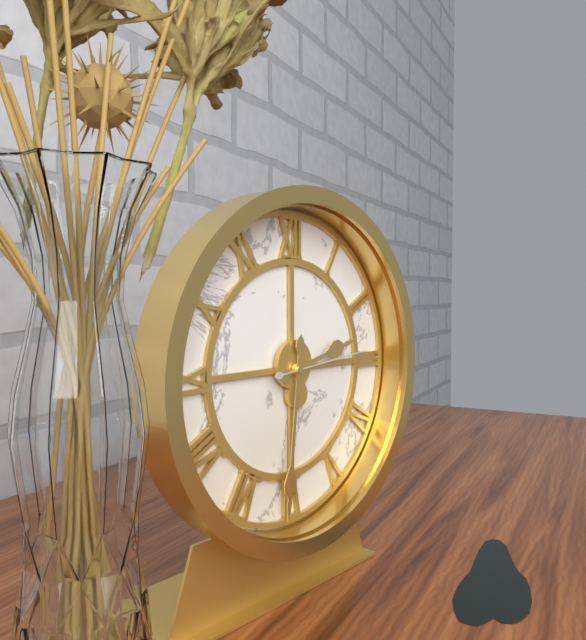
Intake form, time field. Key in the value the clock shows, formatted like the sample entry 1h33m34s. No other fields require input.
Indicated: 2h31m14s
